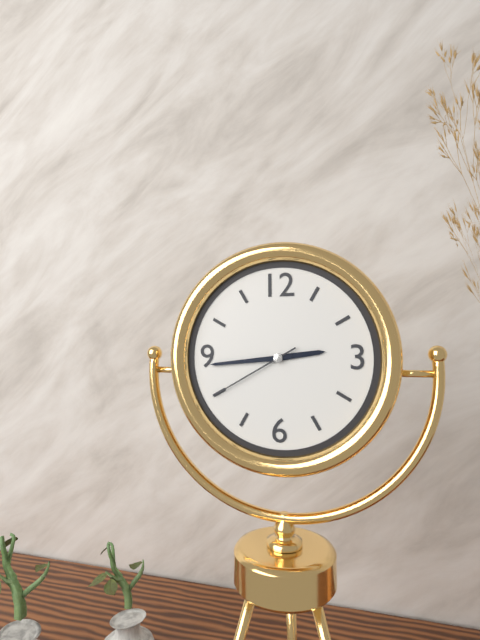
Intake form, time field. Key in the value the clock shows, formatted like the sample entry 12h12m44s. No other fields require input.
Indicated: 2h44m40s
